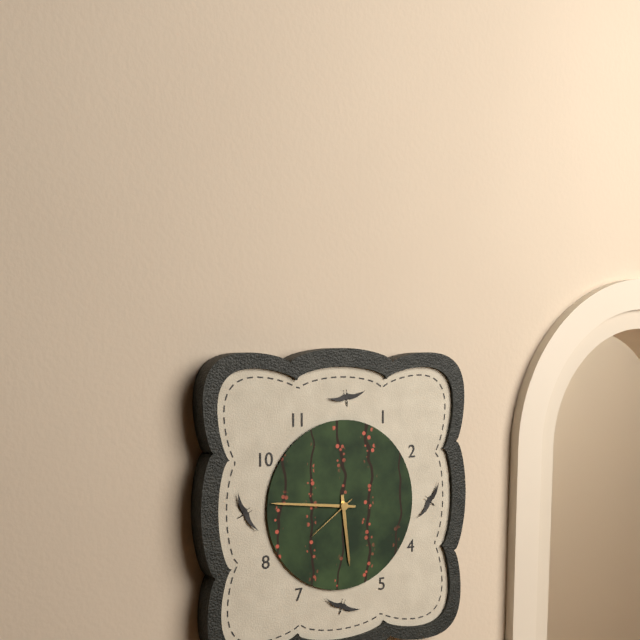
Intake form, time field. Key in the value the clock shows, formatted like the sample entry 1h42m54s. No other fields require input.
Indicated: 5h46m39s
